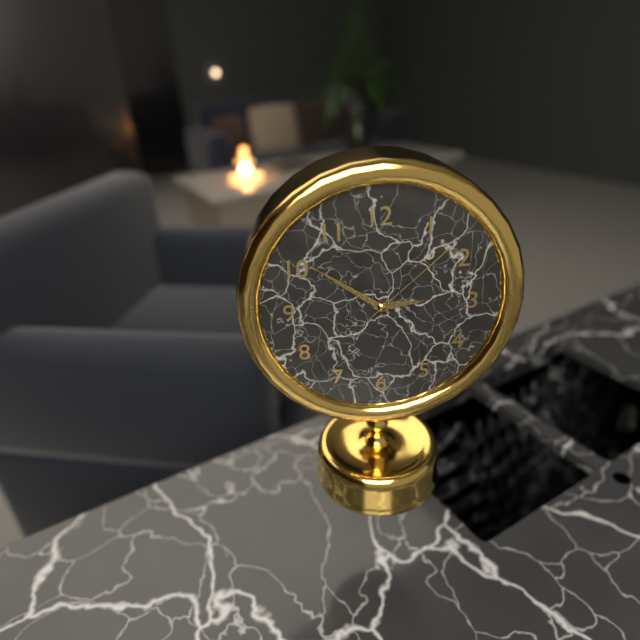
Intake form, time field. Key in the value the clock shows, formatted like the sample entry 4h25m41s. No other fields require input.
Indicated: 2h51m08s
